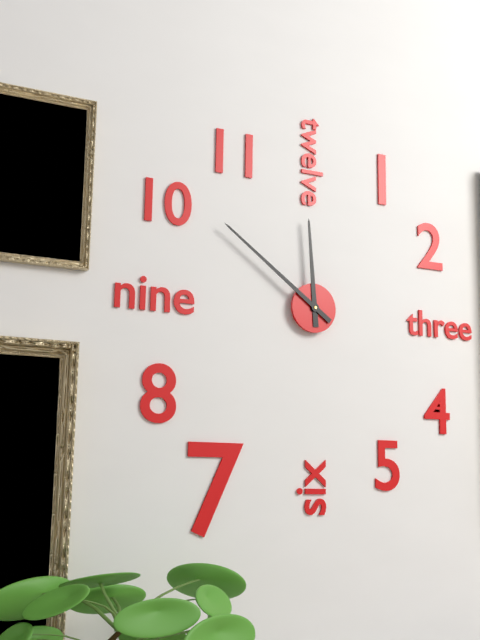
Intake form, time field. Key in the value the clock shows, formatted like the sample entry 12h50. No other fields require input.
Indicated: 11h51
